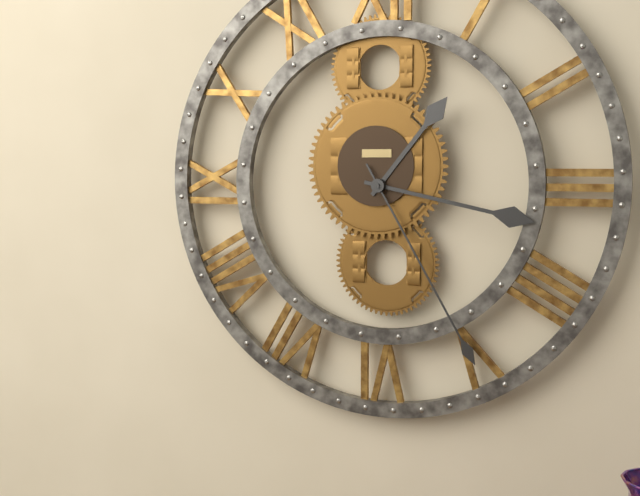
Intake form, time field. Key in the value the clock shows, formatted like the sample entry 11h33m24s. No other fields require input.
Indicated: 1h17m25s
